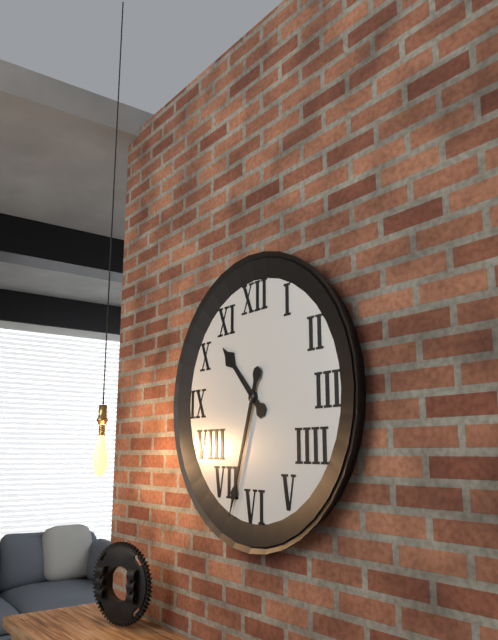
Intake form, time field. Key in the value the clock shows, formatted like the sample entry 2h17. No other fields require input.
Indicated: 10h33
